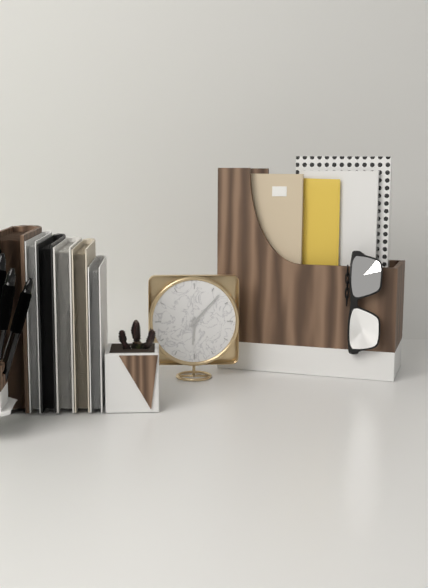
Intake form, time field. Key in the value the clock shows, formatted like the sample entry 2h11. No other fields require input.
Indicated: 6h07
